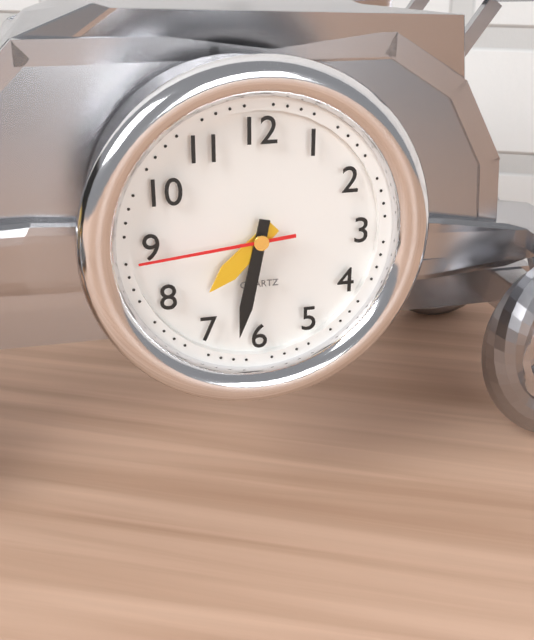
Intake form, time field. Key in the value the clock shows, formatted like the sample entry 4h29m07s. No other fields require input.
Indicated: 7h32m44s
